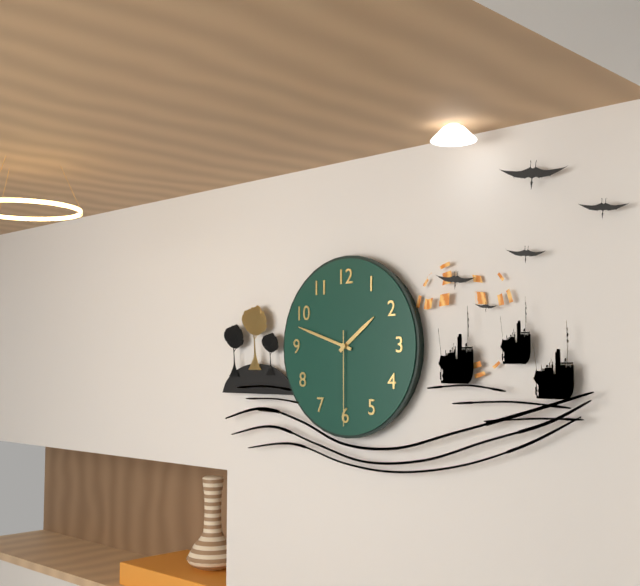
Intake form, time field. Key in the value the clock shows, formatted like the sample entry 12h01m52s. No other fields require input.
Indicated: 1h48m30s
